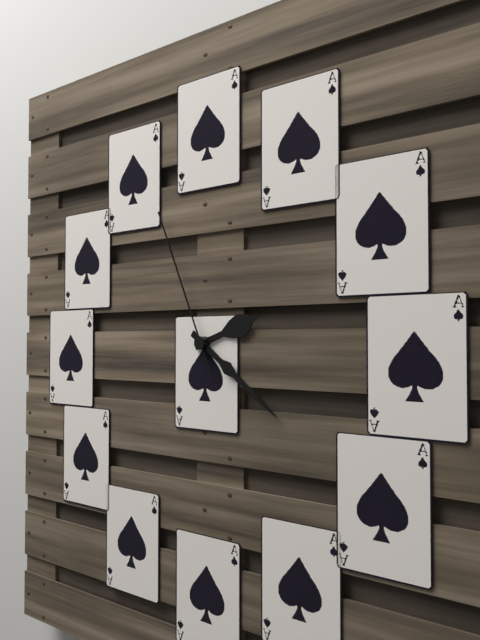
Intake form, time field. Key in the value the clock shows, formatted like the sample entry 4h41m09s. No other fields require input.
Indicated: 2h21m56s
